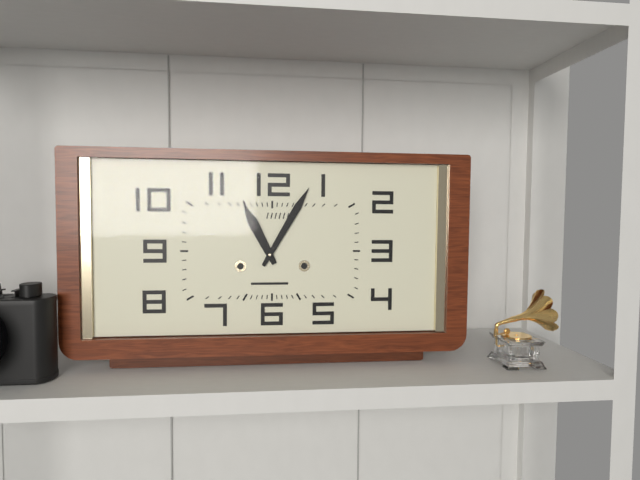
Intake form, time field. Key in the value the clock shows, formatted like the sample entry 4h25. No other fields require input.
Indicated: 11h05
